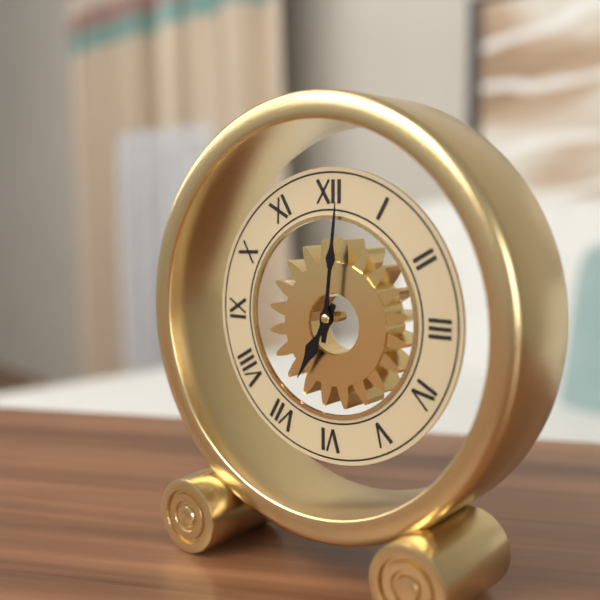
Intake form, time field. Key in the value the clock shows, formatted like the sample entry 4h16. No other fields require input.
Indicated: 7h01
